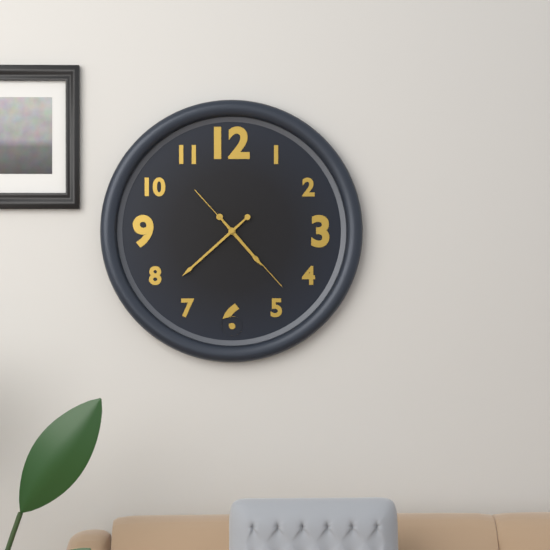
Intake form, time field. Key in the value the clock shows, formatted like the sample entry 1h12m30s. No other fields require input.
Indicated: 4h38m23s
